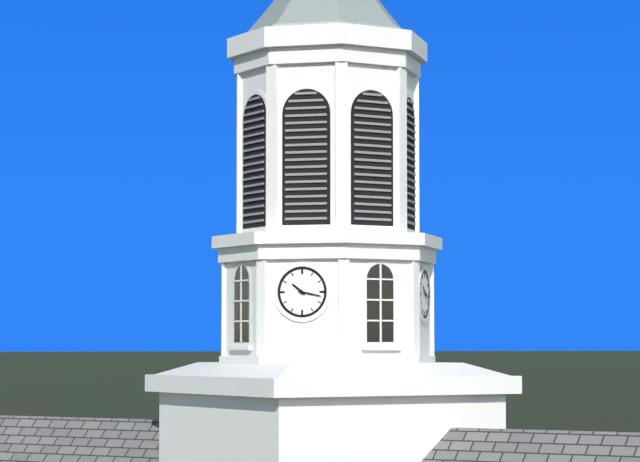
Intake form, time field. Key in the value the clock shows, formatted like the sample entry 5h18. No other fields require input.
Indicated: 10h17
